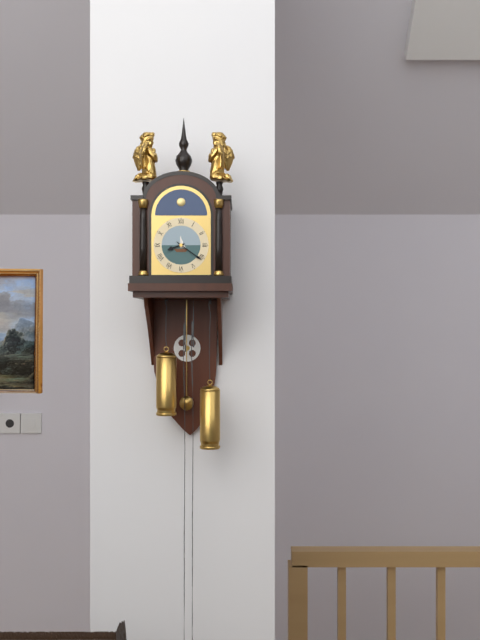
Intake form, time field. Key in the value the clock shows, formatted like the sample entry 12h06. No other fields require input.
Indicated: 8h21
